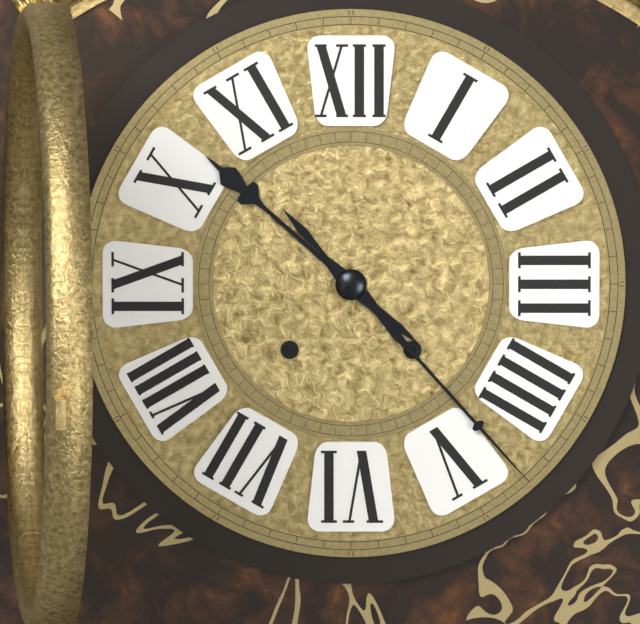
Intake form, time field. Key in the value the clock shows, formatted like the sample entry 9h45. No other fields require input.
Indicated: 10h23
